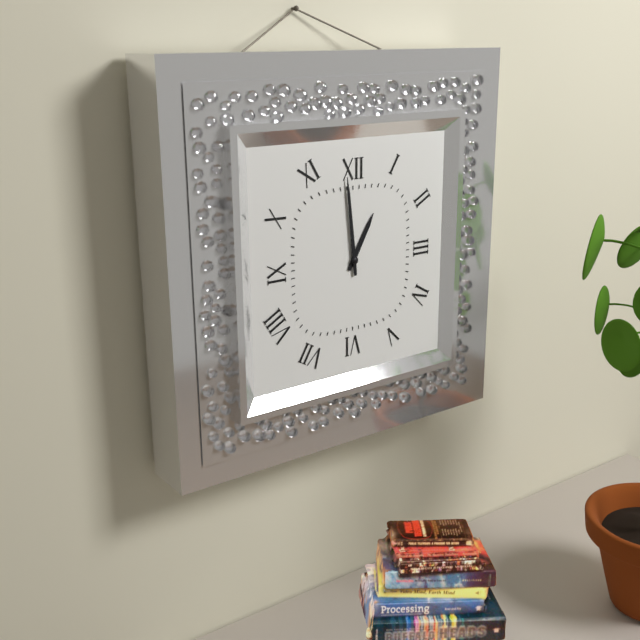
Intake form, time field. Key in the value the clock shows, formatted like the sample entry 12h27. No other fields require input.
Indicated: 12h59
